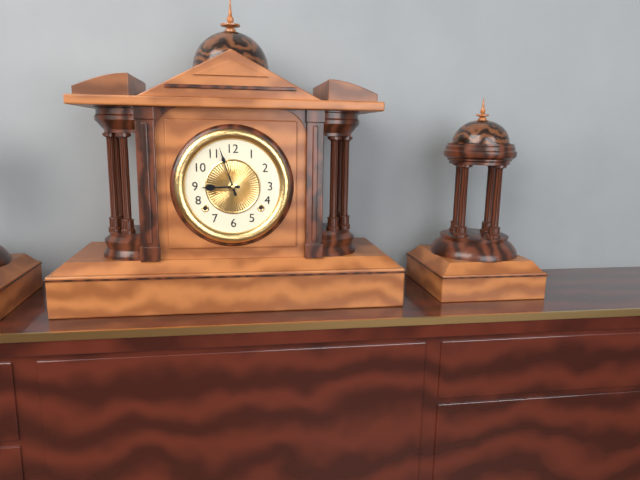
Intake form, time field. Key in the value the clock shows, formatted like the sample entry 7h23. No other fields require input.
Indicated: 8h57
